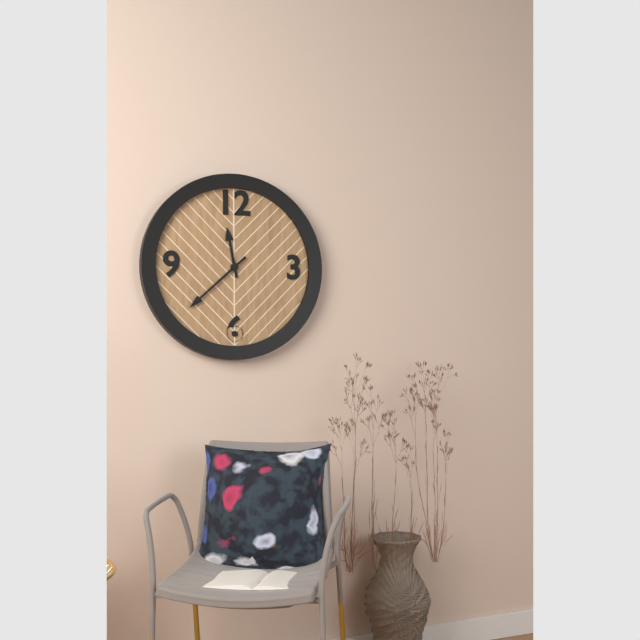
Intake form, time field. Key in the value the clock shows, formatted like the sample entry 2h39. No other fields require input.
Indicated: 11h38
